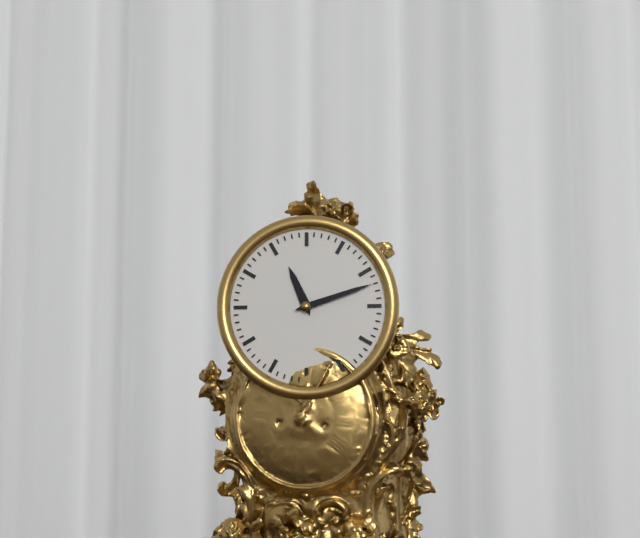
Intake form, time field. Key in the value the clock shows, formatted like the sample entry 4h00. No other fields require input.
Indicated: 11h12
